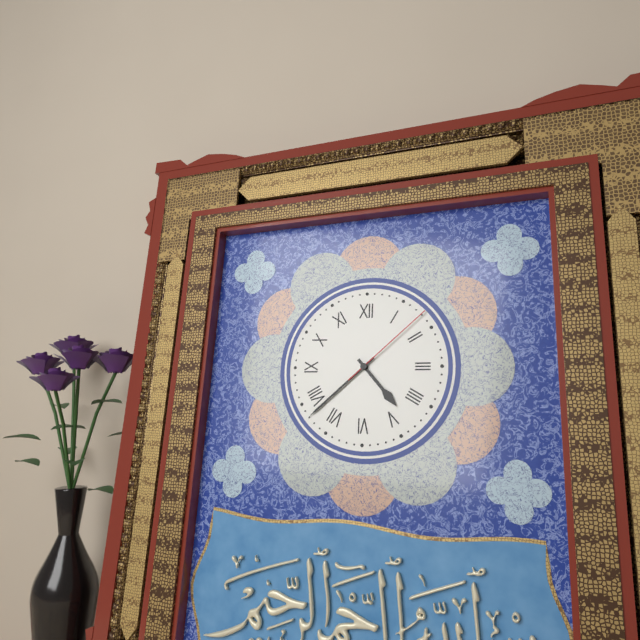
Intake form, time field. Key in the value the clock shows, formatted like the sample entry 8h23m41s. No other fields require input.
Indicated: 4h38m08s
